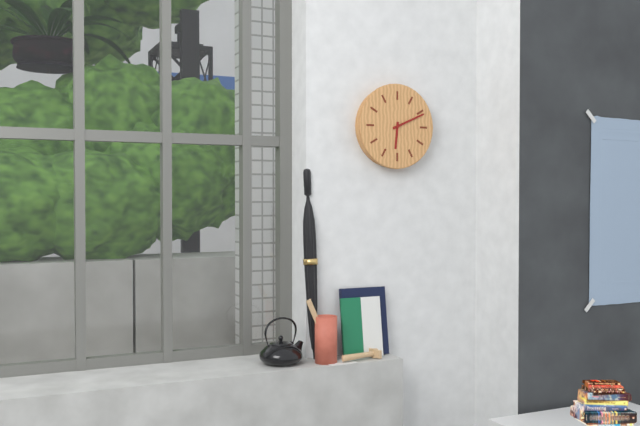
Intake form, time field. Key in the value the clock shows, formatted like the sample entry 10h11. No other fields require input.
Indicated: 6h11
